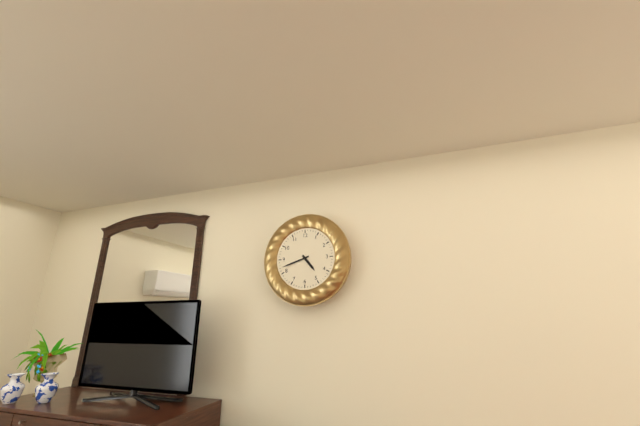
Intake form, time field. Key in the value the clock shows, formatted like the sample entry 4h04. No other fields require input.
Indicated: 4h42
